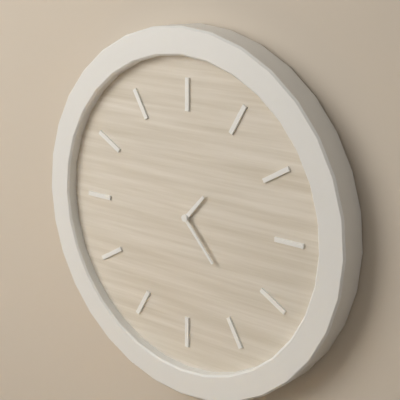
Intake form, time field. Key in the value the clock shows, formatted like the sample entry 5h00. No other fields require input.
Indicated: 1h23
